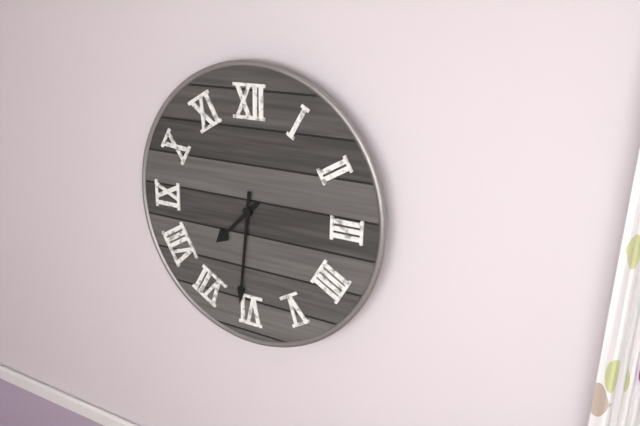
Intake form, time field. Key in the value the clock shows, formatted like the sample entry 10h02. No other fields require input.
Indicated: 7h31
